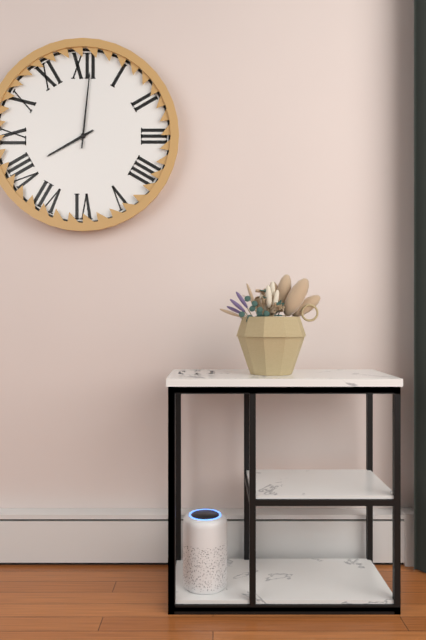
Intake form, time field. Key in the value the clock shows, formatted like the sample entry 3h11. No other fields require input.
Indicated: 8h01
